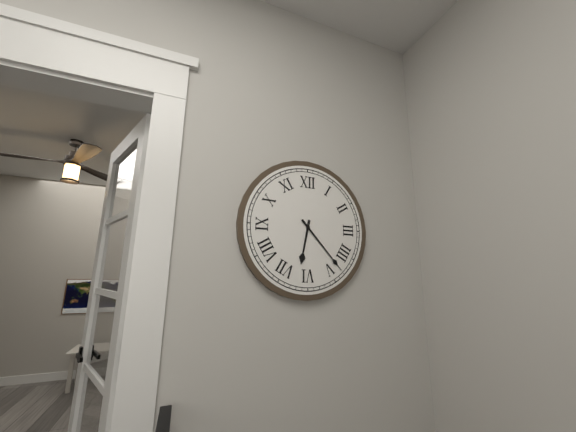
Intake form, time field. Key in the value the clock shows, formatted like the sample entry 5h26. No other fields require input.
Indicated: 6h23
